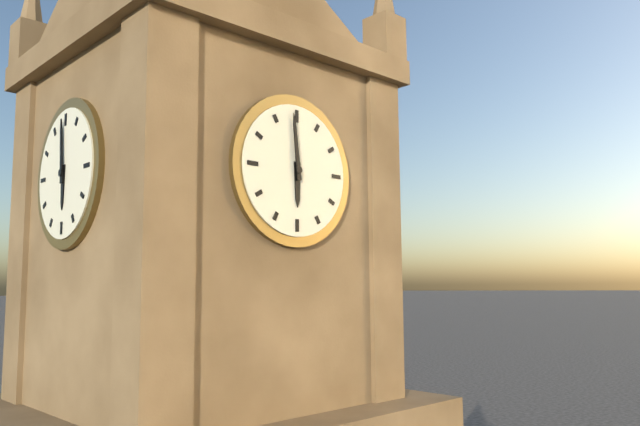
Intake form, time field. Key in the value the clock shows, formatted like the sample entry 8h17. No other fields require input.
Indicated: 5h59
